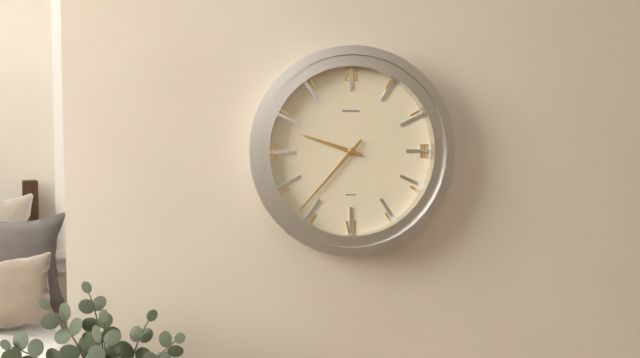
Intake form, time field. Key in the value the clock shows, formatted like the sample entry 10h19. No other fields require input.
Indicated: 9h37
